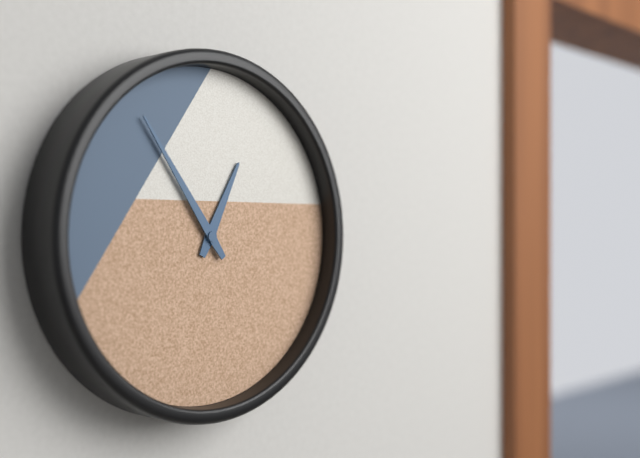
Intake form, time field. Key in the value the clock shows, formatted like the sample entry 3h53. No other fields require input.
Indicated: 12h54
